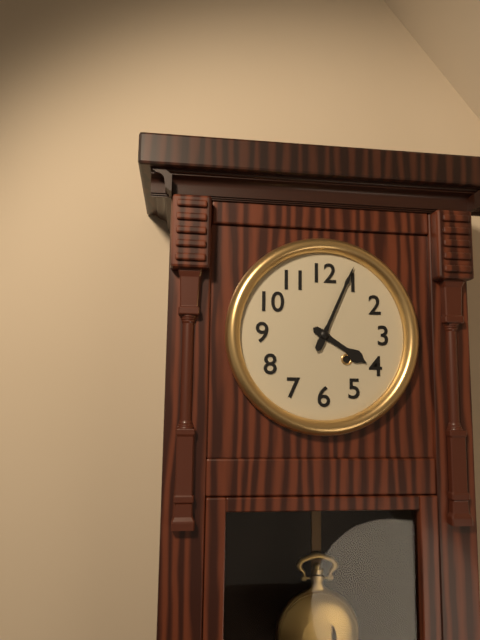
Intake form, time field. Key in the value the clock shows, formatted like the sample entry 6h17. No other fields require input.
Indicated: 4h04
